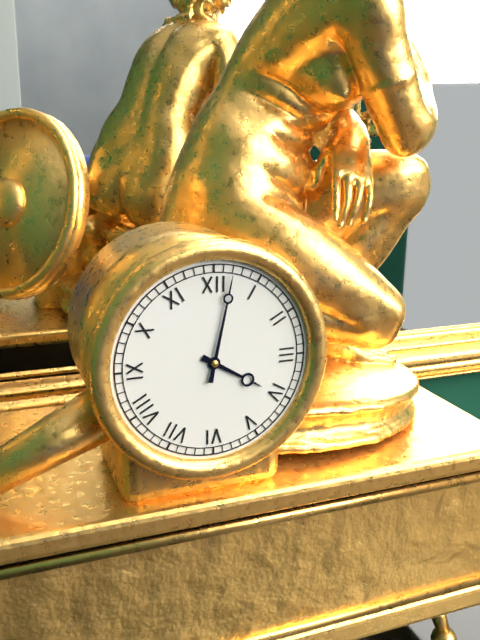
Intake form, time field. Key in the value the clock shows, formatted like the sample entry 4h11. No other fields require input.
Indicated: 4h02
